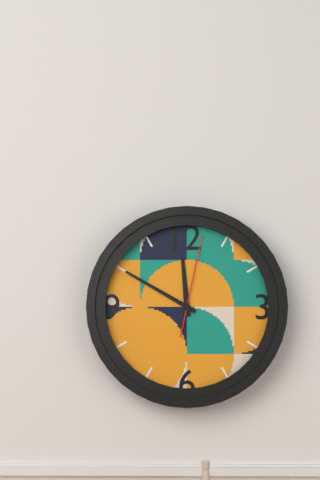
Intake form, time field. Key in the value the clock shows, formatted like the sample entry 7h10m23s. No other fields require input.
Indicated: 11h50m02s
